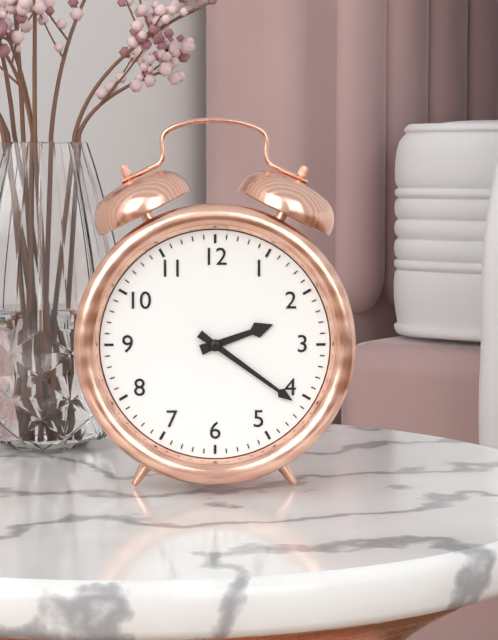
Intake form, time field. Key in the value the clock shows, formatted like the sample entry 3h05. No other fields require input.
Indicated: 2h21
